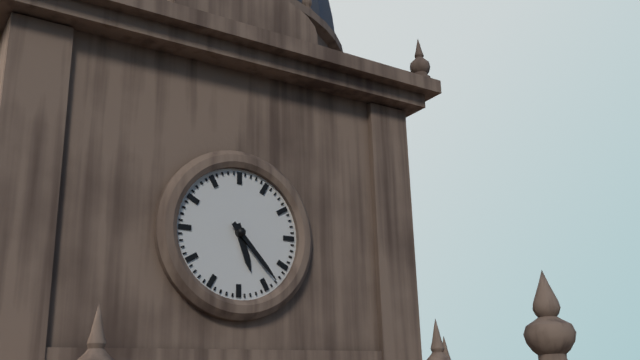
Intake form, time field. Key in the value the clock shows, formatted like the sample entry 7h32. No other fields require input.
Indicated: 5h23
